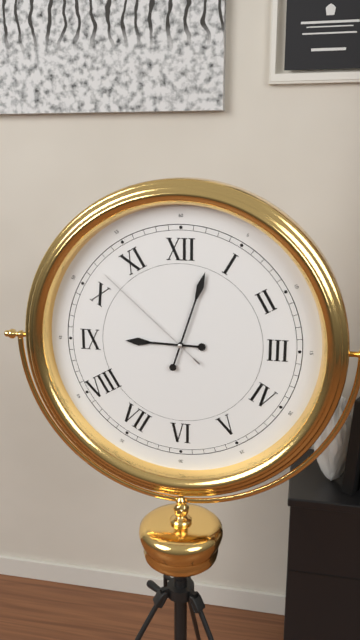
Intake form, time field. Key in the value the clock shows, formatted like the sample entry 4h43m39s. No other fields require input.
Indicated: 9h03m52s
